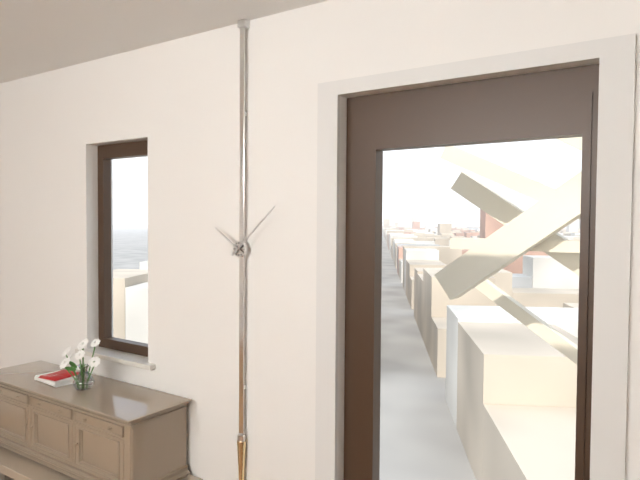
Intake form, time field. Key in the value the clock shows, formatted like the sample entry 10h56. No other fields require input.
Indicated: 10h08
